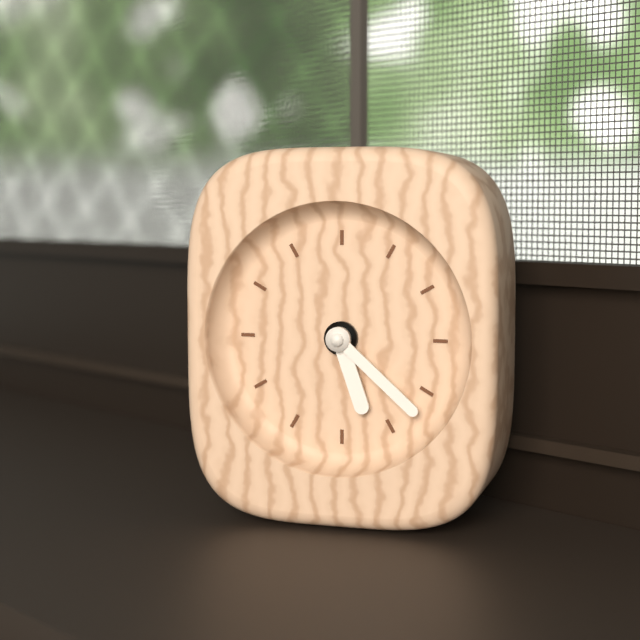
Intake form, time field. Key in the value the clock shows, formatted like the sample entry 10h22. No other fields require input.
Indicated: 5h22
